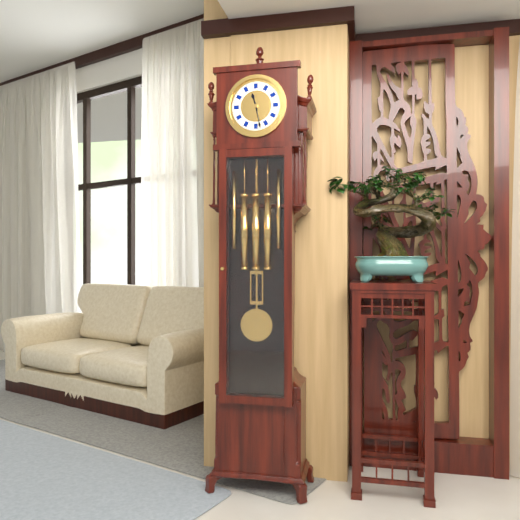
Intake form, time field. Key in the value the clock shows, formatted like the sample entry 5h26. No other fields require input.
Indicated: 11h28
